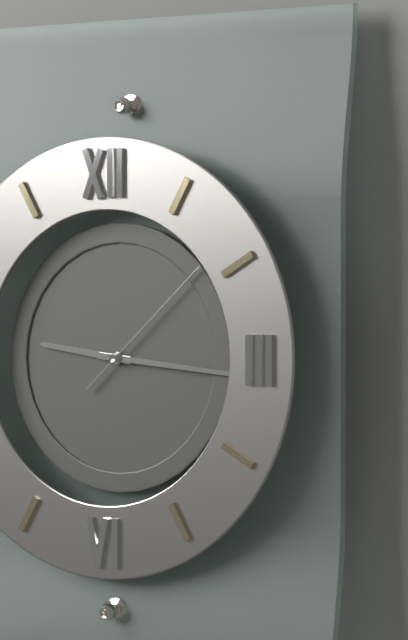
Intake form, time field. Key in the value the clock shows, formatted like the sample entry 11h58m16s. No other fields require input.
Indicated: 9h16m08s
